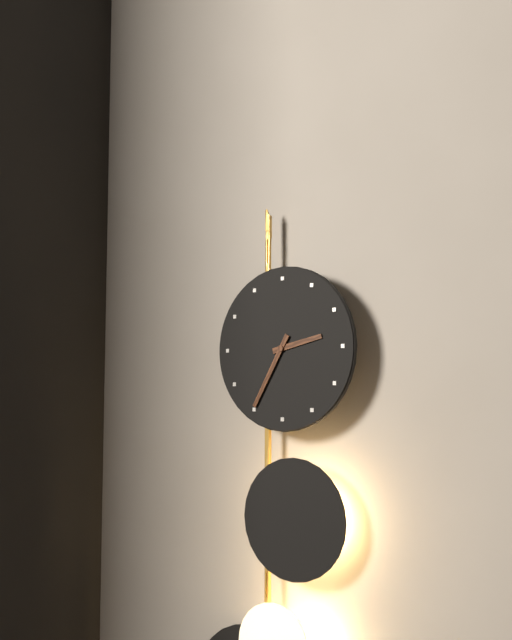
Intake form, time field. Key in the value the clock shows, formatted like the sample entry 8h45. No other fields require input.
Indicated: 2h35
